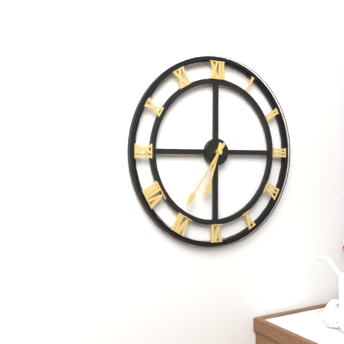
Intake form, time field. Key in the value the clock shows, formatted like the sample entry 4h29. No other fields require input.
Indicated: 6h36
